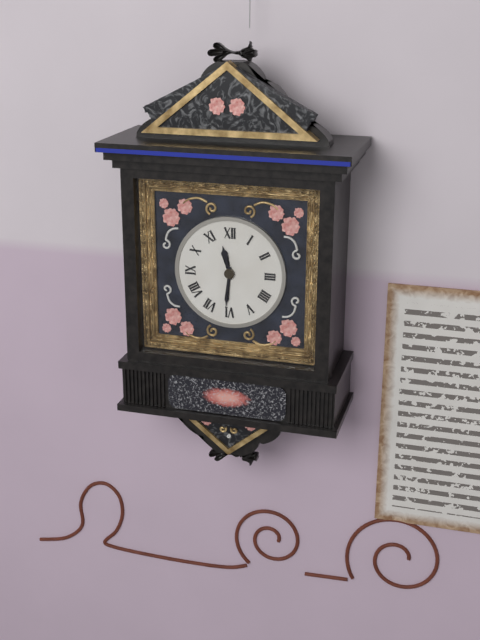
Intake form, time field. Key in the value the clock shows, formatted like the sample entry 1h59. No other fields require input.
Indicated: 11h31
